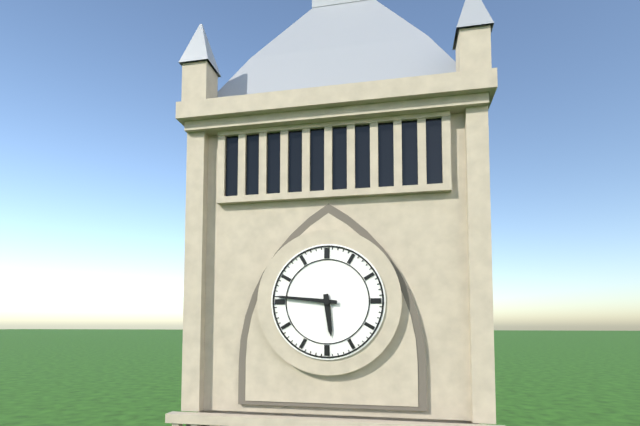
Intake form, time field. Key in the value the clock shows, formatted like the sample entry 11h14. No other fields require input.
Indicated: 5h46
